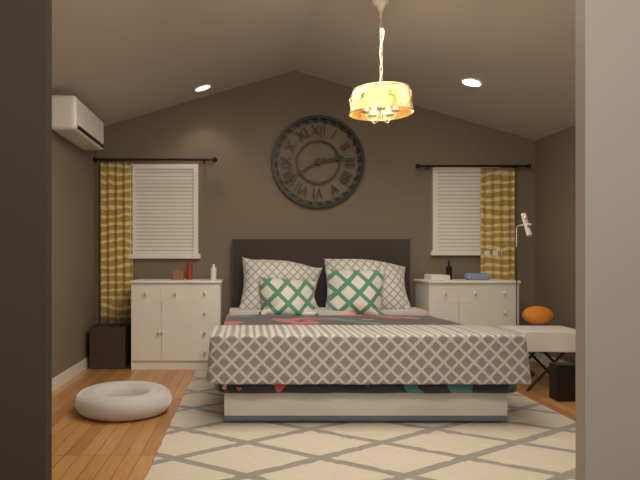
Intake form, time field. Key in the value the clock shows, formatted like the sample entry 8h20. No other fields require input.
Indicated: 2h40
